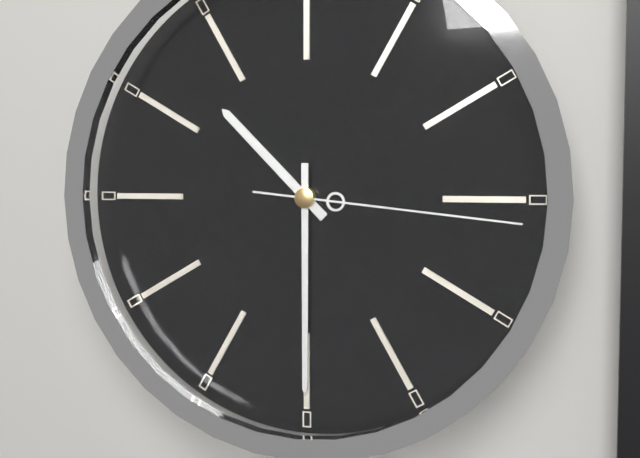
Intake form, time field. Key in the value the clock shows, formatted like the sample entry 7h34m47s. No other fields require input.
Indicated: 10h30m16s
